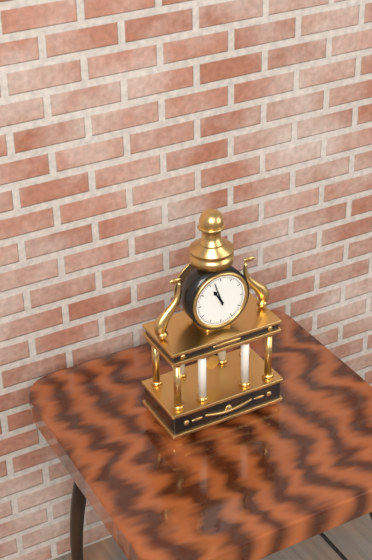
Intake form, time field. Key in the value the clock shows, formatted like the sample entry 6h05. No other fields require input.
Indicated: 10h57
